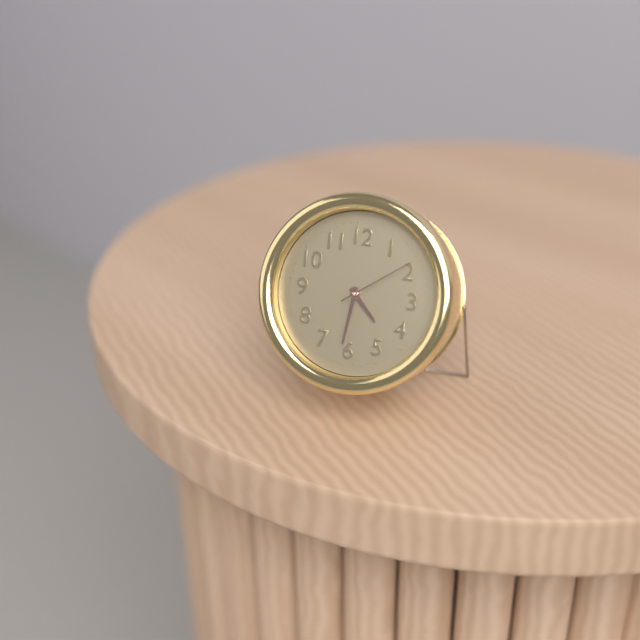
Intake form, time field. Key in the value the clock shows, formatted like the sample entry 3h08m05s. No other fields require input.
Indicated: 4h31m09s
